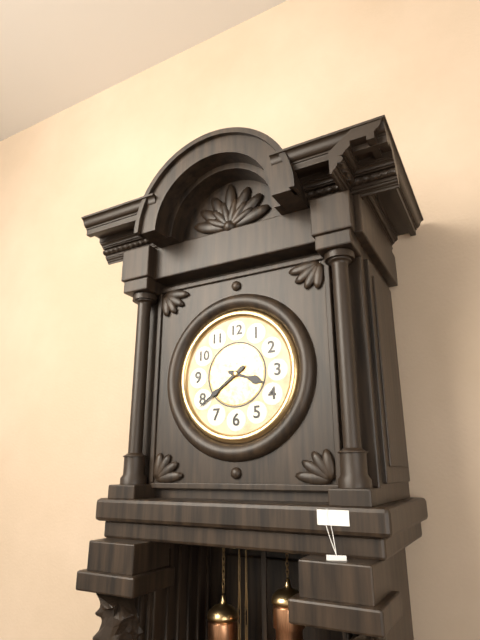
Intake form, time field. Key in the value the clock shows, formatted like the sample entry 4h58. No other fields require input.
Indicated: 3h39
